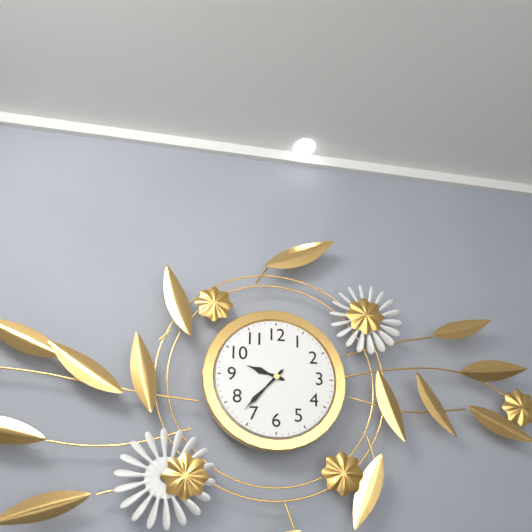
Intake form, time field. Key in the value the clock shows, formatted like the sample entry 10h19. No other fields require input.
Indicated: 9h37
